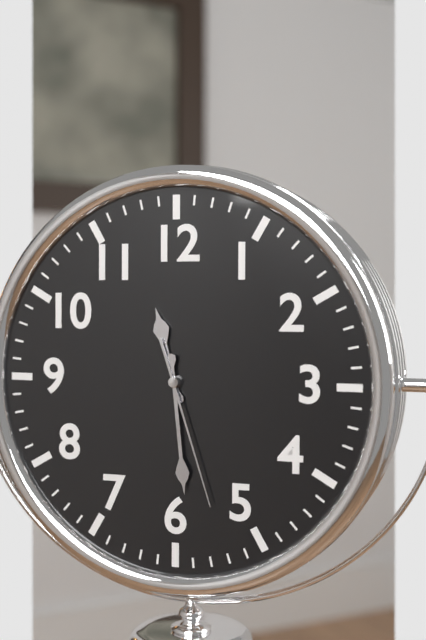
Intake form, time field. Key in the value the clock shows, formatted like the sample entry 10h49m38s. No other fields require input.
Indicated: 11h29m27s
